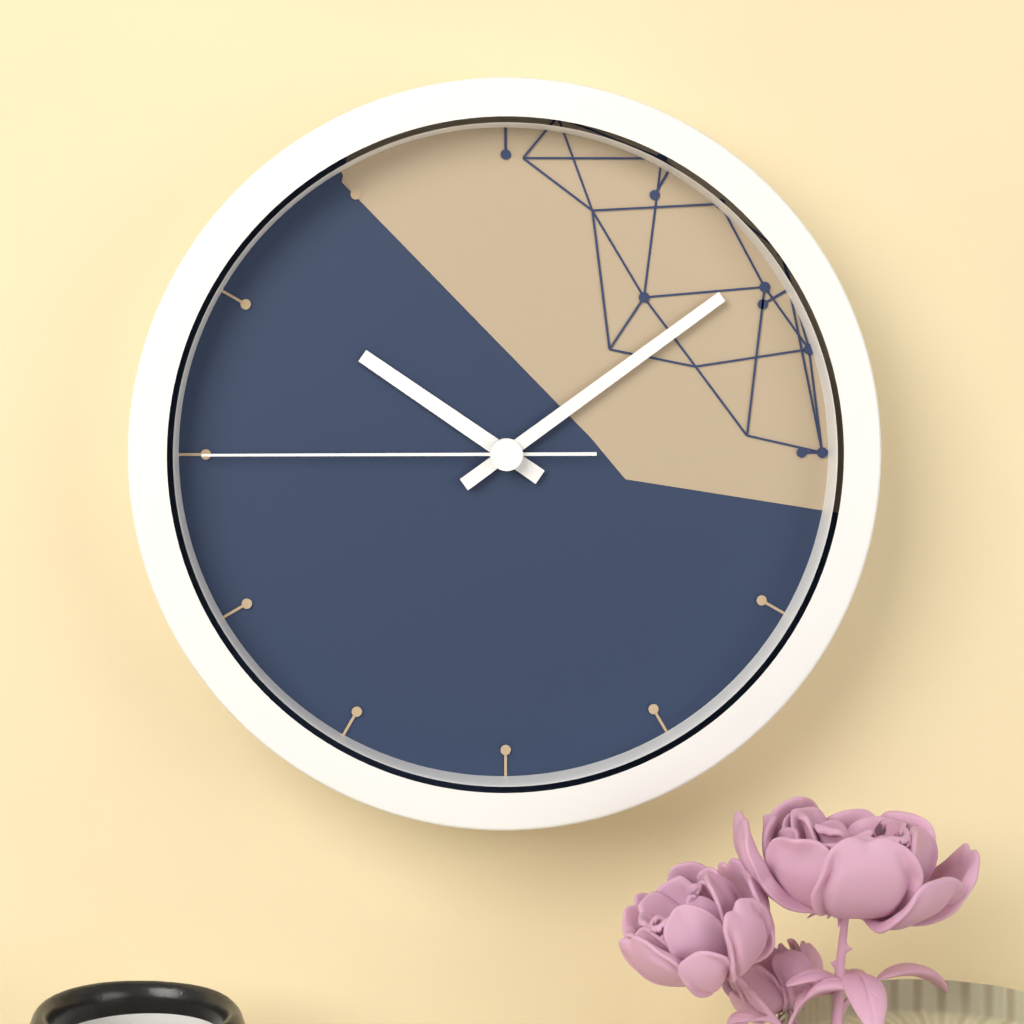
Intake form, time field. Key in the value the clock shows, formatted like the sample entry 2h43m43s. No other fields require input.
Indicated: 10h09m45s
